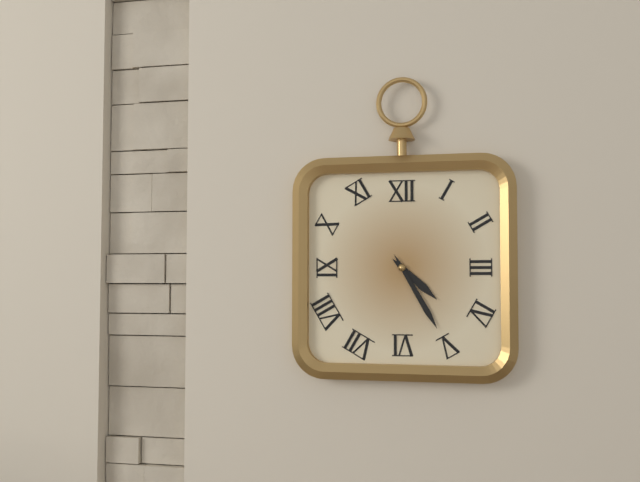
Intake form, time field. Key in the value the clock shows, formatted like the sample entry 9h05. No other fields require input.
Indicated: 4h25
